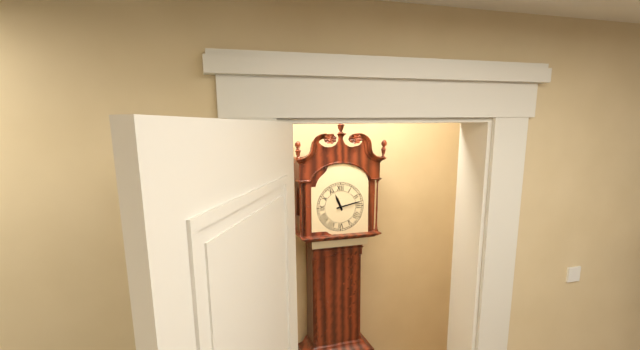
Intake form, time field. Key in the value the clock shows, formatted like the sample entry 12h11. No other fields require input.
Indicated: 11h13
